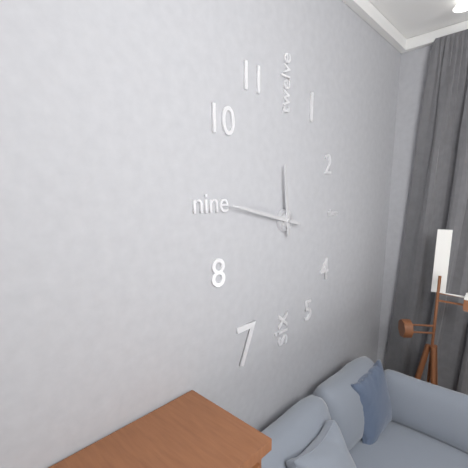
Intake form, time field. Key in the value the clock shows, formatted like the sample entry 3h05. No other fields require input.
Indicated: 11h47
